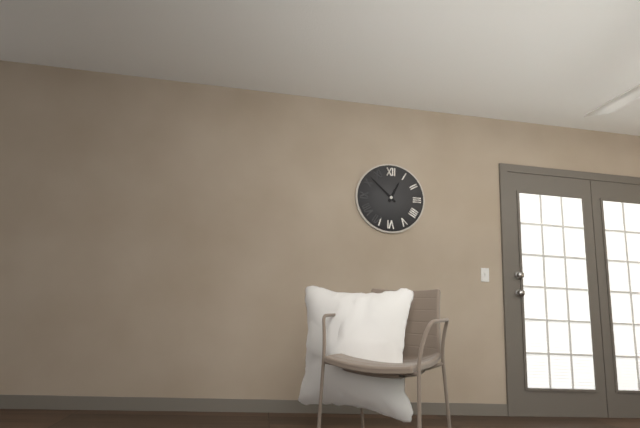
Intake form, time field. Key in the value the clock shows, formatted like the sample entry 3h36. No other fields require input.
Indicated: 12h52
